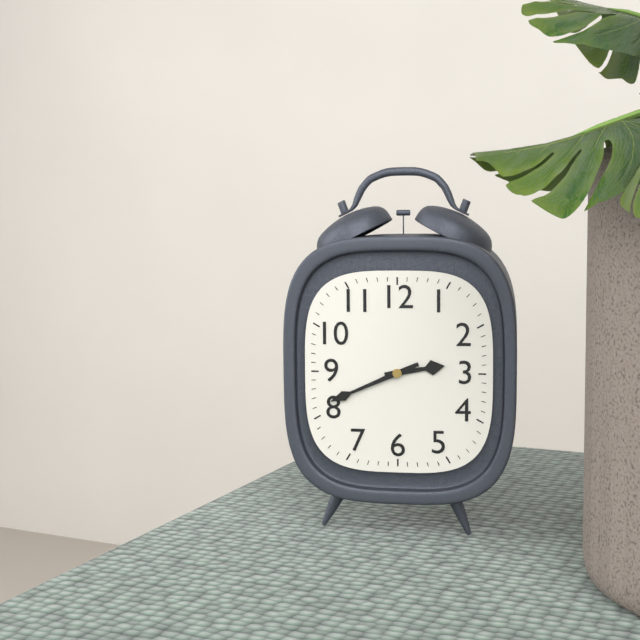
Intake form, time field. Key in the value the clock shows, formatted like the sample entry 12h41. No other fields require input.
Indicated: 2h41
